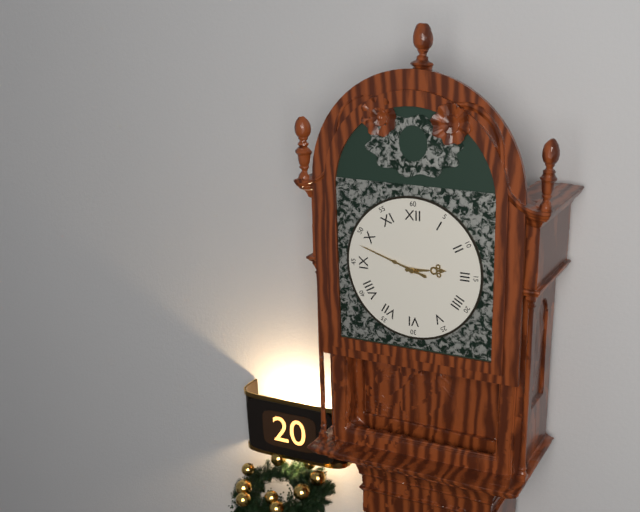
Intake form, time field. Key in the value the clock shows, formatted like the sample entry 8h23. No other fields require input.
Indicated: 2h48
